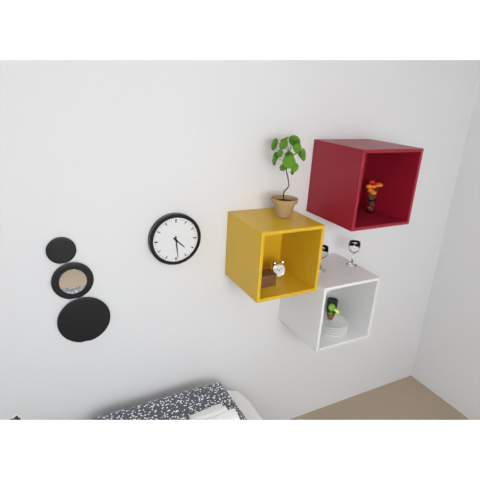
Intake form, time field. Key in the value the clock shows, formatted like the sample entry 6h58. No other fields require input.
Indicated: 4h29
